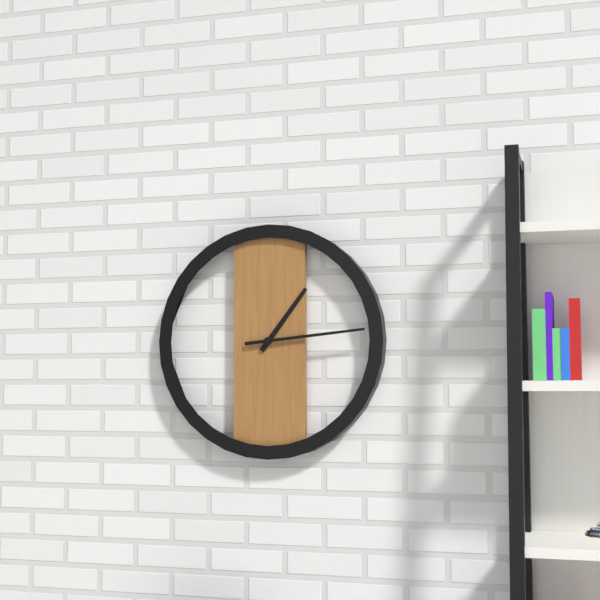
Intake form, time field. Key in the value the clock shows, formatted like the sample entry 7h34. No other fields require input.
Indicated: 1h14
